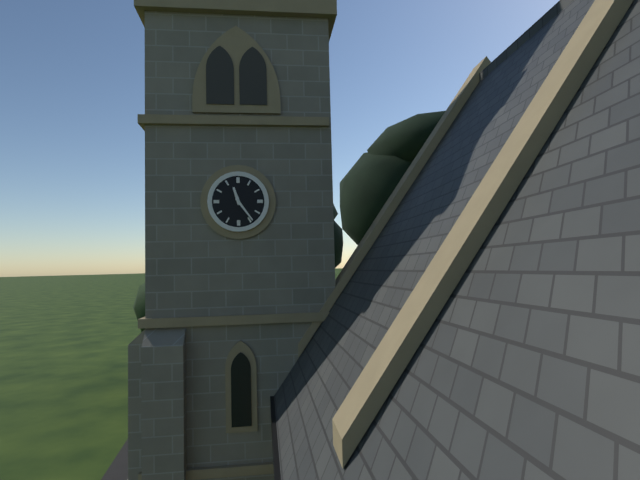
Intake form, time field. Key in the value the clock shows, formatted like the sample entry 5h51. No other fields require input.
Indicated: 11h24
